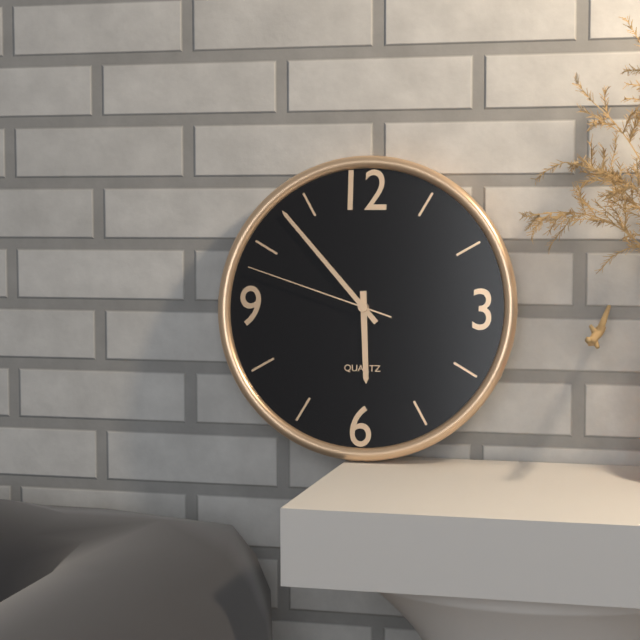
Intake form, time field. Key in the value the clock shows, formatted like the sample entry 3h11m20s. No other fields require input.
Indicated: 5h53m48s
